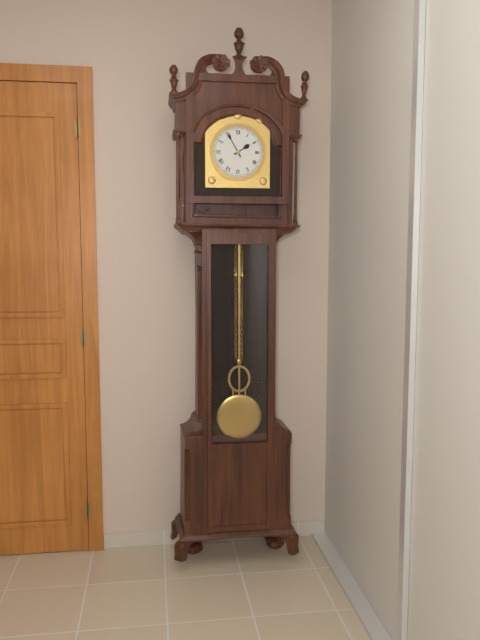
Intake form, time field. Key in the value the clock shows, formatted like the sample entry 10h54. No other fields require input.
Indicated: 1h55
